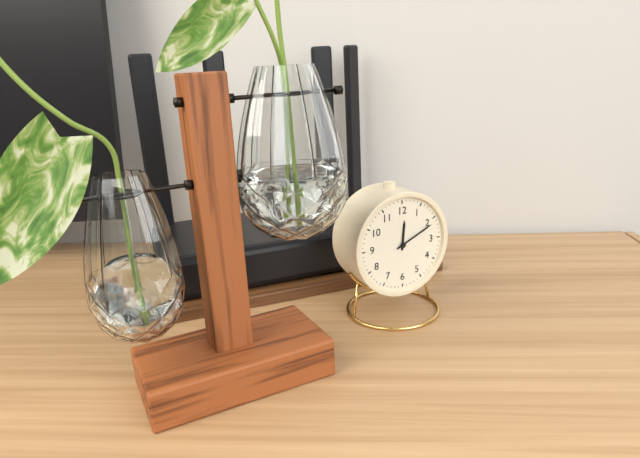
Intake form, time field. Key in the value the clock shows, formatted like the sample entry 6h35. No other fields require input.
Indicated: 12h11
